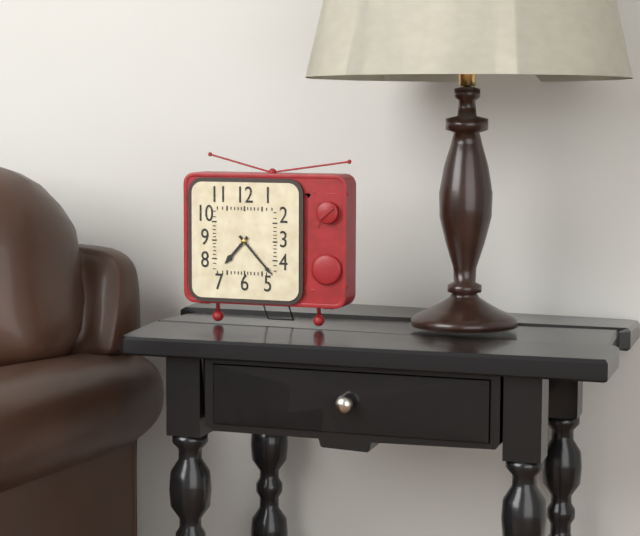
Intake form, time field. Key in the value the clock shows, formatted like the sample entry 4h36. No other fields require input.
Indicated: 7h23
